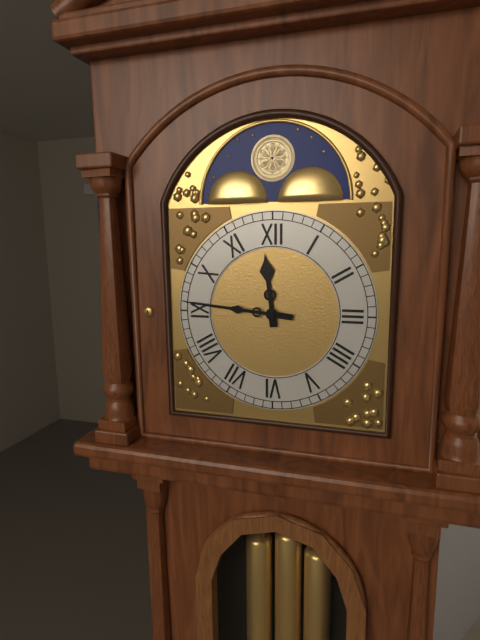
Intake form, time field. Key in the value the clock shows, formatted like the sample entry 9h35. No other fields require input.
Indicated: 11h46
